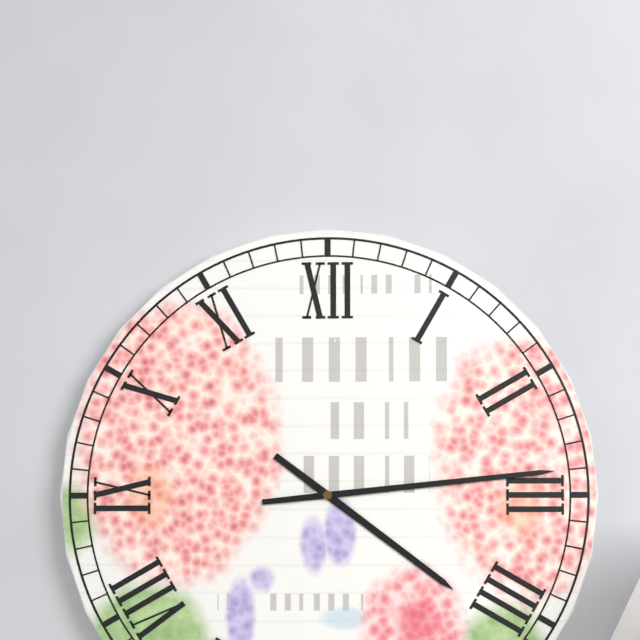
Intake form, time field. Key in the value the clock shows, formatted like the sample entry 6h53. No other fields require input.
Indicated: 4h14
